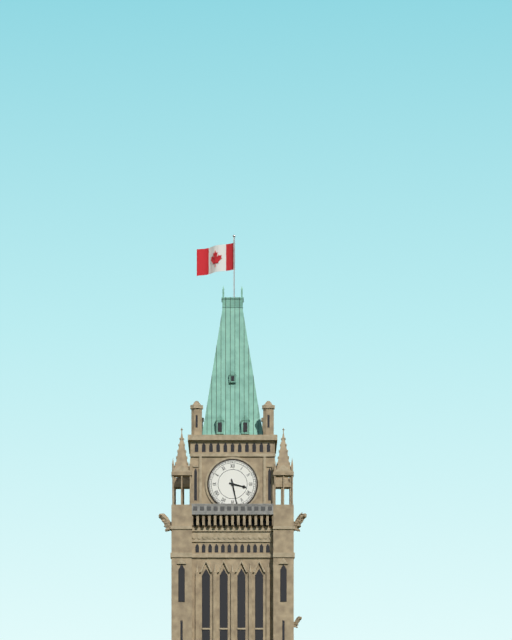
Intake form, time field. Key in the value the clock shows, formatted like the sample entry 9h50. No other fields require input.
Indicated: 3h28
